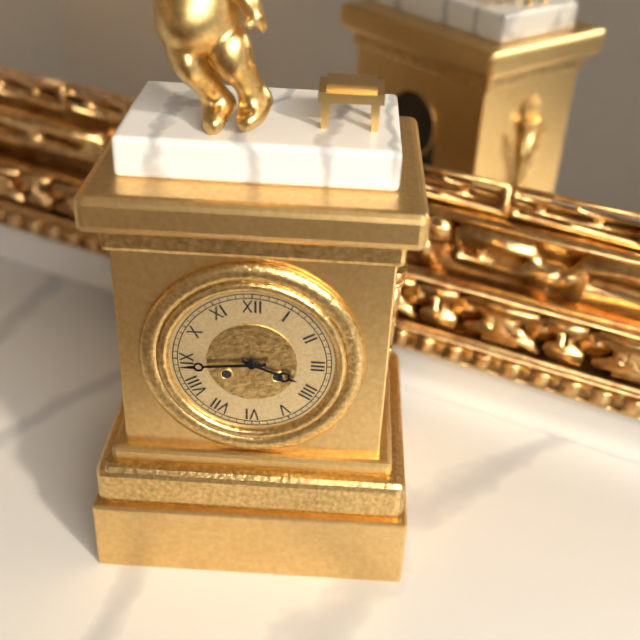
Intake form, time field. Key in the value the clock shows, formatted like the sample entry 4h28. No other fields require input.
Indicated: 3h44
